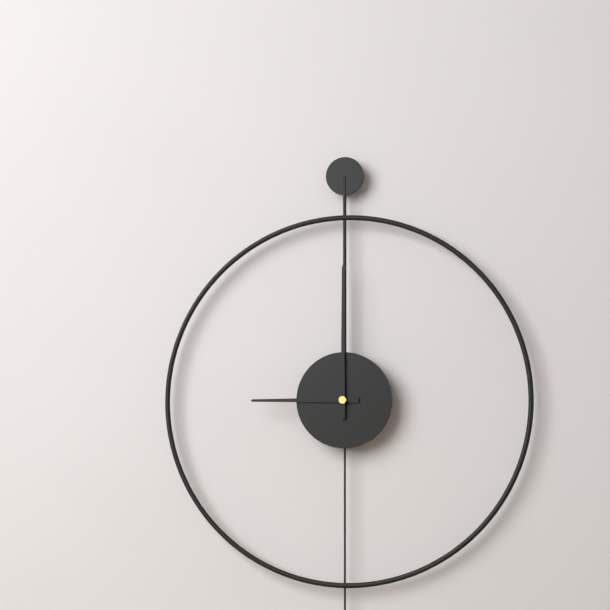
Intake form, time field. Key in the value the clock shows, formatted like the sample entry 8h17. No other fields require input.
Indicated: 9h00
